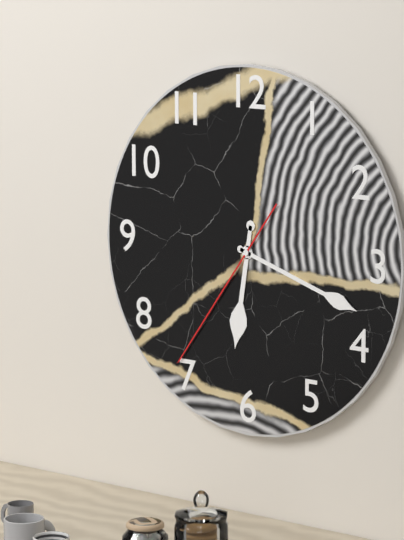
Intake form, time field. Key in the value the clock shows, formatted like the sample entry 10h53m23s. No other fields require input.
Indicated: 6h18m36s
